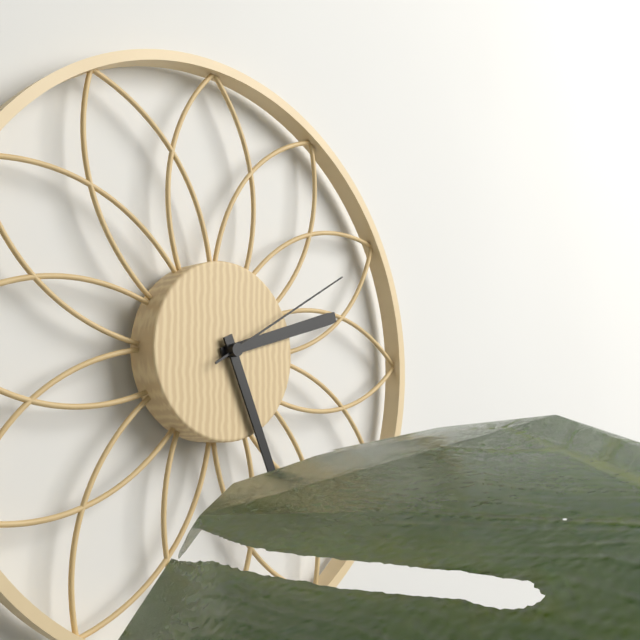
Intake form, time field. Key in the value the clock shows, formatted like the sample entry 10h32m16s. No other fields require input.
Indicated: 2h26m10s
